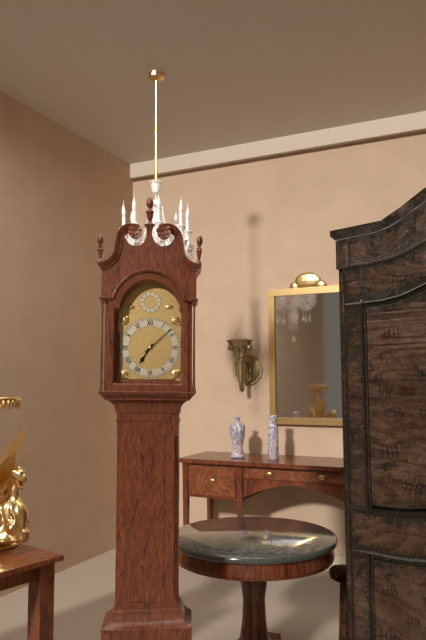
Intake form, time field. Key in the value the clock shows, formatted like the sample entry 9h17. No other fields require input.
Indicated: 7h08
